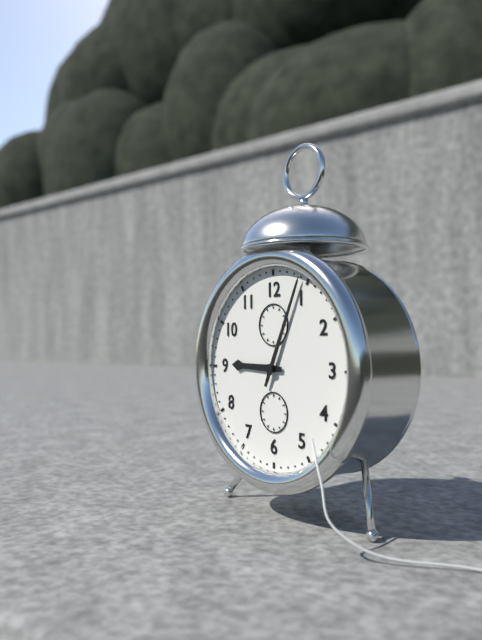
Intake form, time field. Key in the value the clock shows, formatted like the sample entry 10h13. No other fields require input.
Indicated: 9h04
